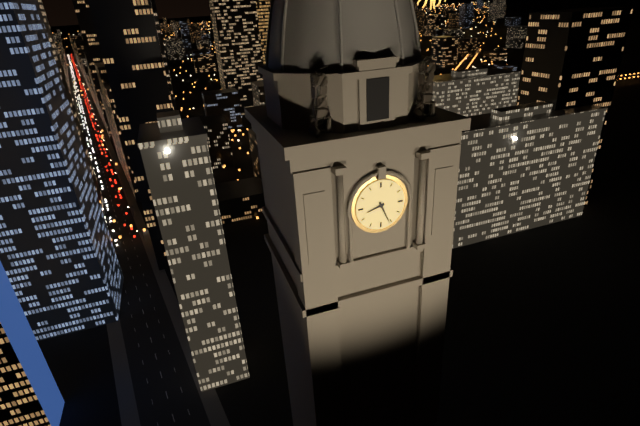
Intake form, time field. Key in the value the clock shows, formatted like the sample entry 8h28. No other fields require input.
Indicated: 8h26
